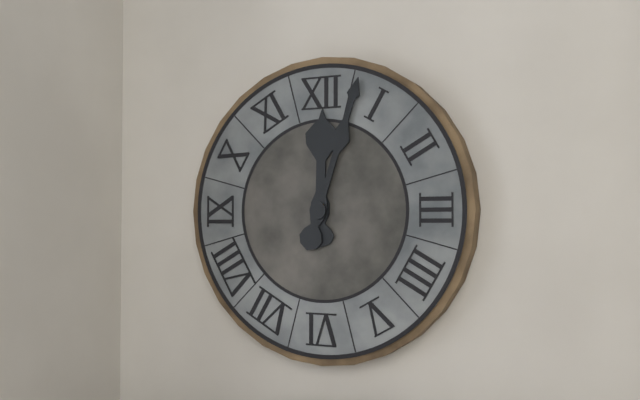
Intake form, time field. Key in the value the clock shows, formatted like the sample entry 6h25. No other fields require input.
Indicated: 12h03
